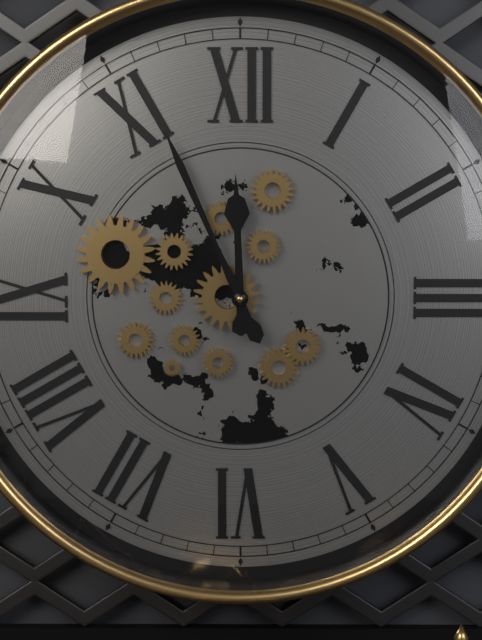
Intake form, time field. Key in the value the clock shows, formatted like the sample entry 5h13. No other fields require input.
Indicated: 11h56
